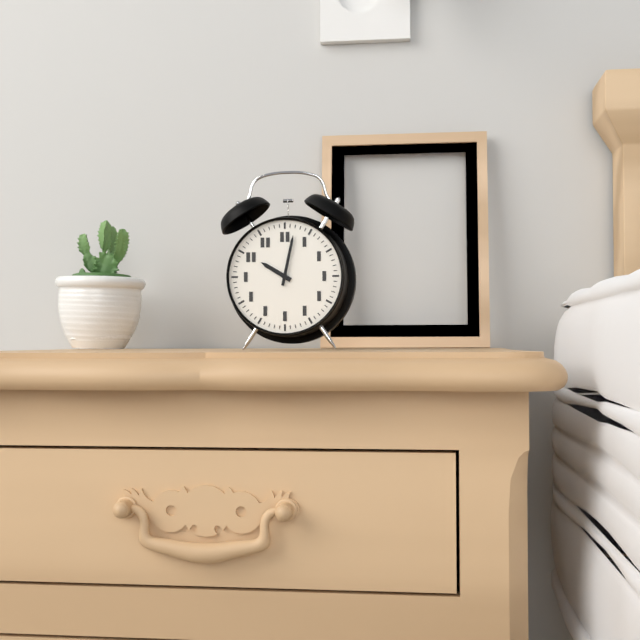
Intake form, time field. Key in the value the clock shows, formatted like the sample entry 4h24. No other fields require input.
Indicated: 10h02
